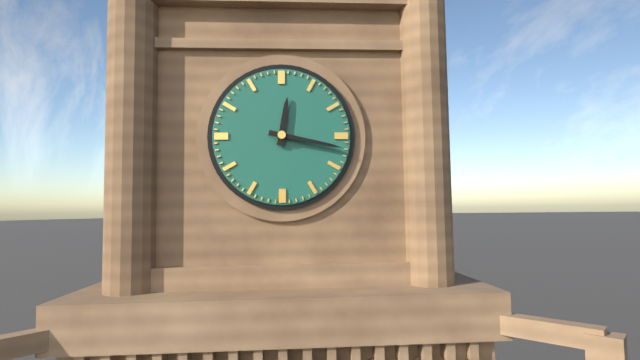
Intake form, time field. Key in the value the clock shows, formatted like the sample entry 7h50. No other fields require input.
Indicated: 12h17
